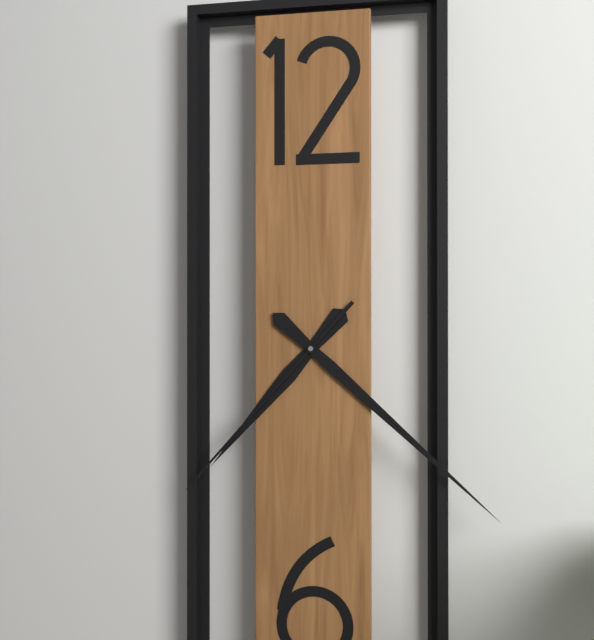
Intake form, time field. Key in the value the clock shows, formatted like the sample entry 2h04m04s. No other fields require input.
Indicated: 7h22m37s
